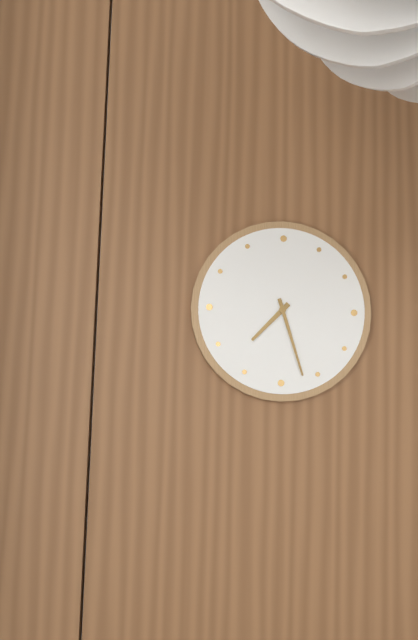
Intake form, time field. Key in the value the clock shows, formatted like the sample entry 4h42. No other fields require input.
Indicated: 7h27
